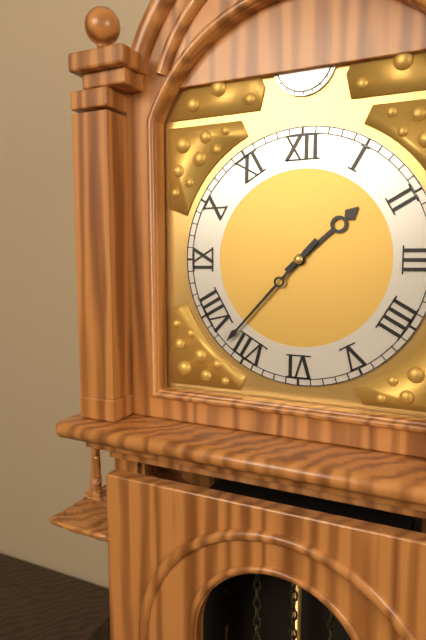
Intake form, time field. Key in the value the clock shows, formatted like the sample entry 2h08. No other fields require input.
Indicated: 1h37
